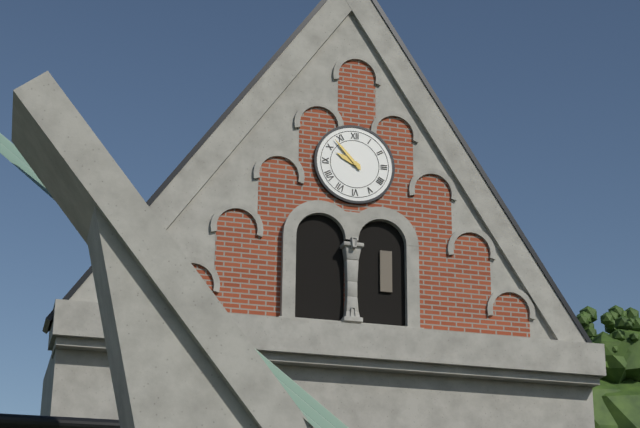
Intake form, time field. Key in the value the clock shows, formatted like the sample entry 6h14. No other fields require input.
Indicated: 9h53
